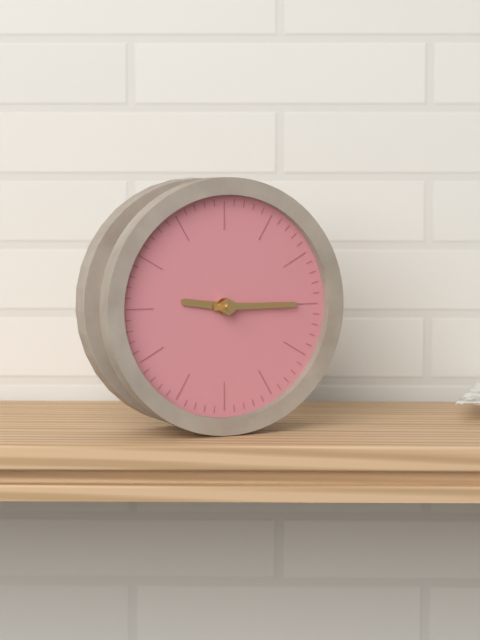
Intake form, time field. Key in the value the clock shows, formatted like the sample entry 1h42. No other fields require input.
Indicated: 9h15
